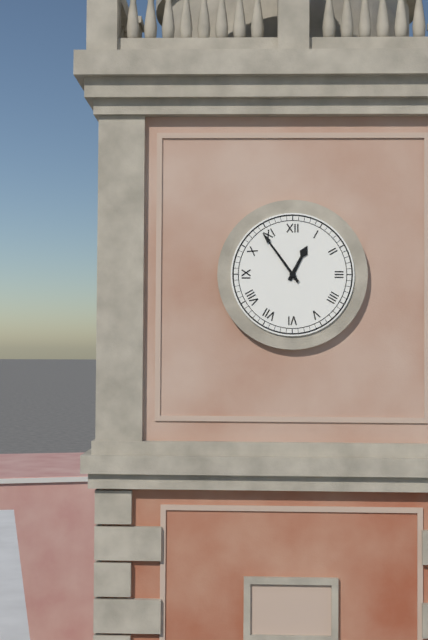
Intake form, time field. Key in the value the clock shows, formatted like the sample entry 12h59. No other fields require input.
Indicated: 12h54
